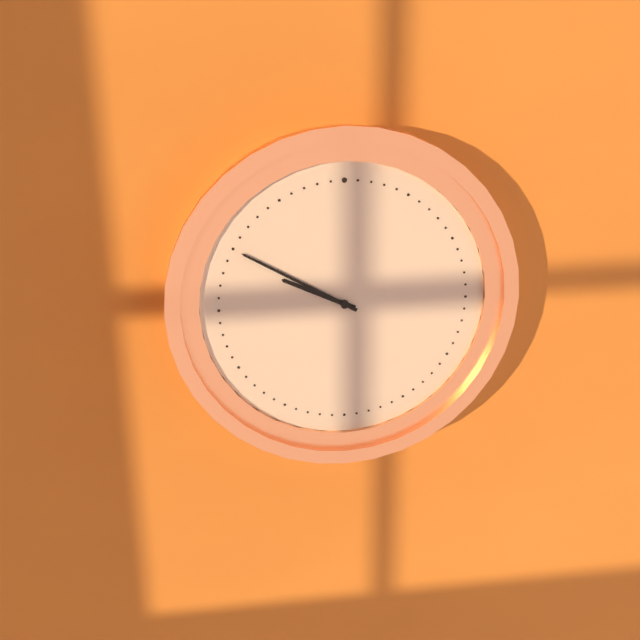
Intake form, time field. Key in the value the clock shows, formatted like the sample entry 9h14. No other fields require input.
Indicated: 9h50
